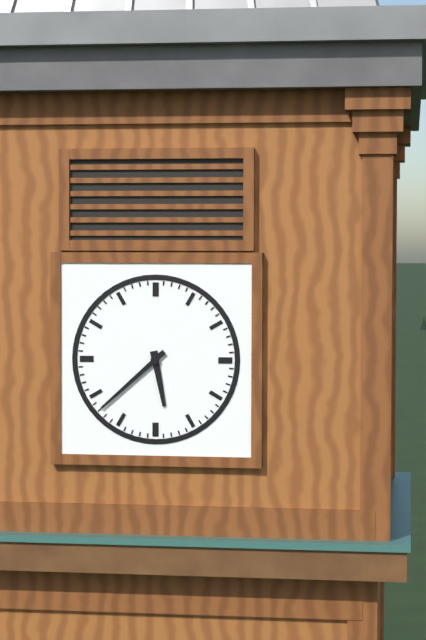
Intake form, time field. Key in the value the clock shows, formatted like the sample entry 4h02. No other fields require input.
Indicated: 5h38
